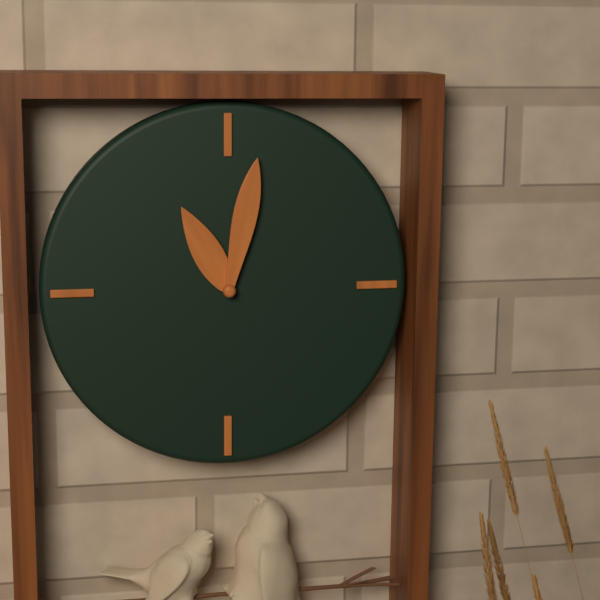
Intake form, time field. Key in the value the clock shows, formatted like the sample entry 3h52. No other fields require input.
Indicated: 11h02
